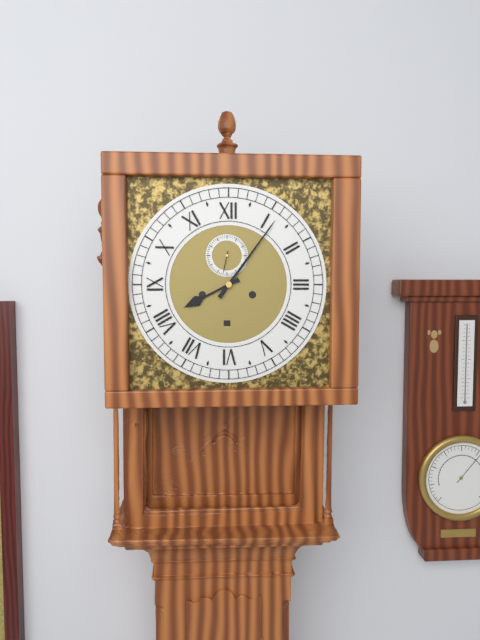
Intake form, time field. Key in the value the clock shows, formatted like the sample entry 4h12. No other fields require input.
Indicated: 8h06
